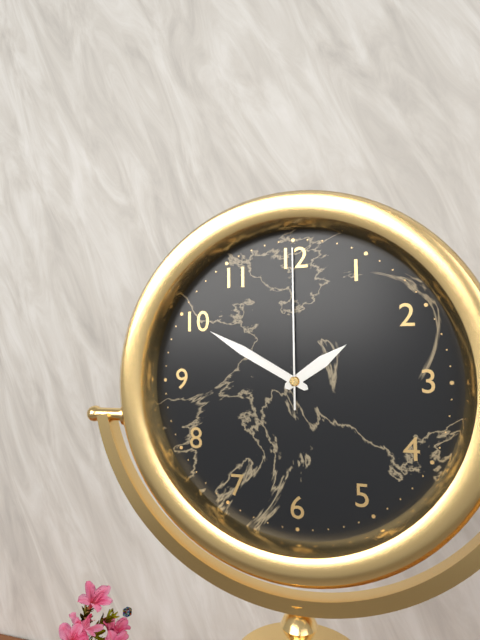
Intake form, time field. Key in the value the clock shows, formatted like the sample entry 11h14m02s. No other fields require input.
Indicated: 1h50m00s
